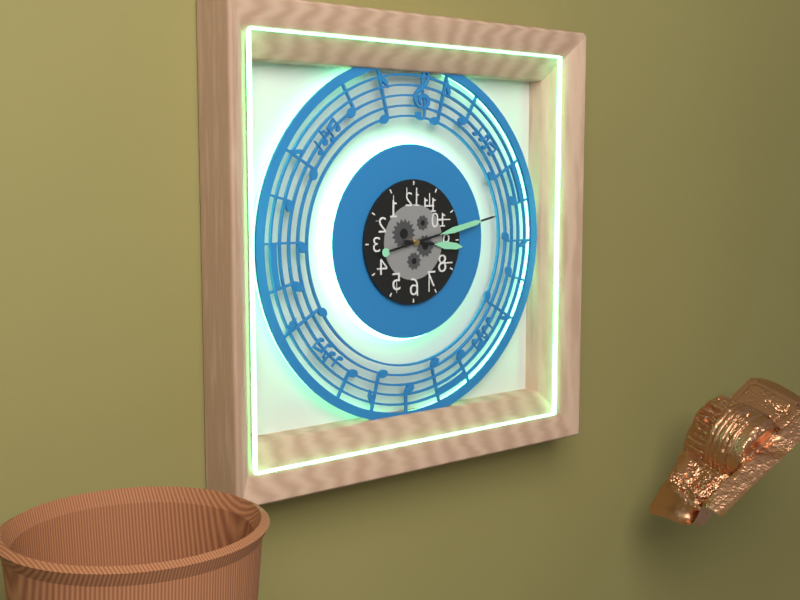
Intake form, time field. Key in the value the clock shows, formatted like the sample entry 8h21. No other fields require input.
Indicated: 3h13
